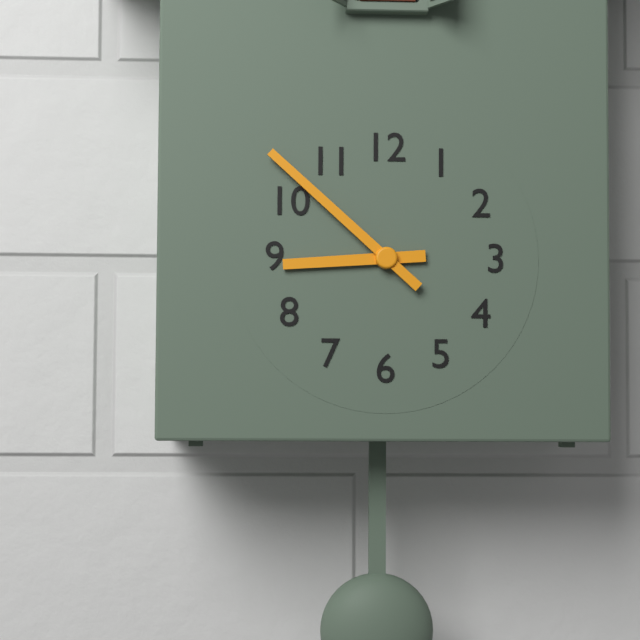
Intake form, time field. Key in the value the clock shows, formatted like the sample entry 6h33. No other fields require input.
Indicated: 8h52
